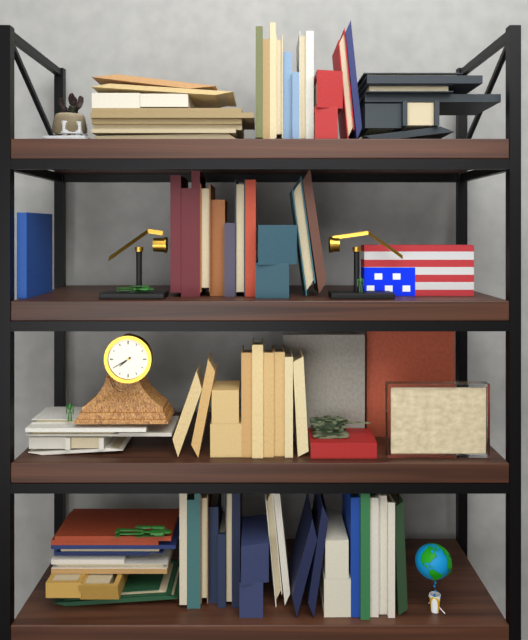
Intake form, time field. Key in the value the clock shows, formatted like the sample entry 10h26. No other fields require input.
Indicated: 7h40
